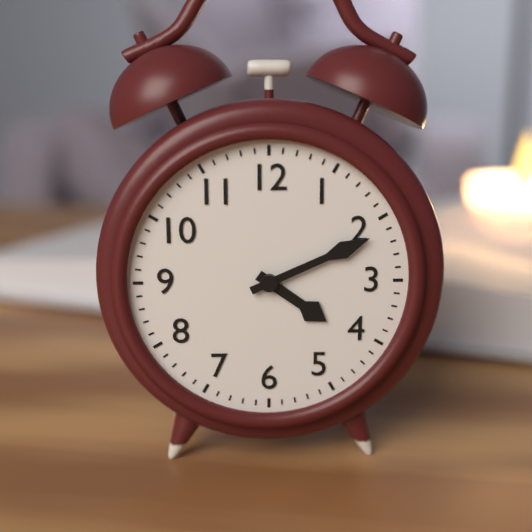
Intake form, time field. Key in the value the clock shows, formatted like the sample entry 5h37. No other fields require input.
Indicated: 4h11
